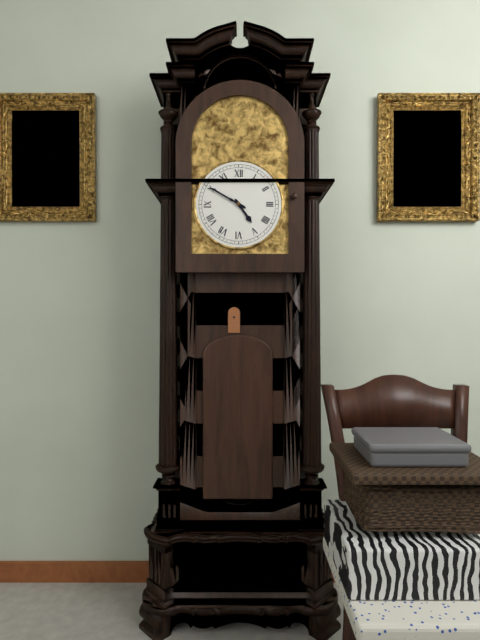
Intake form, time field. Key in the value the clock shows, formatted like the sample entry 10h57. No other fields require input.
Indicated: 4h50
